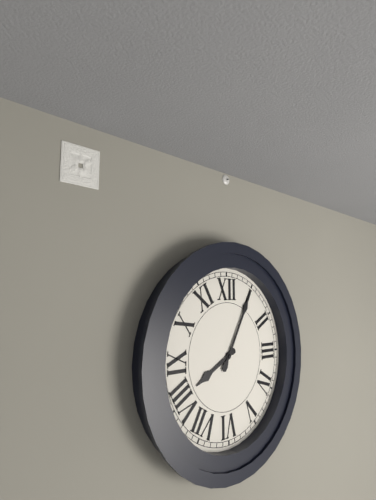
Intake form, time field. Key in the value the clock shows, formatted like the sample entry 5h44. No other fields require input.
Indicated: 8h05
